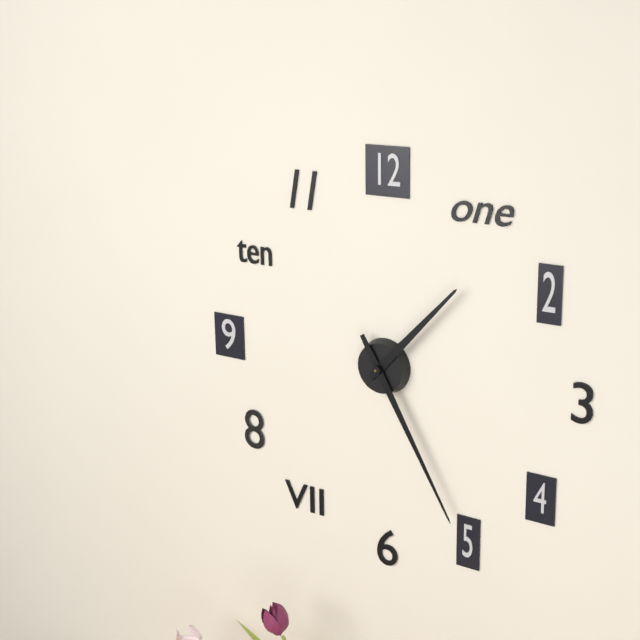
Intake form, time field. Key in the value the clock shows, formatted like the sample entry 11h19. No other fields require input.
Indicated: 1h25
